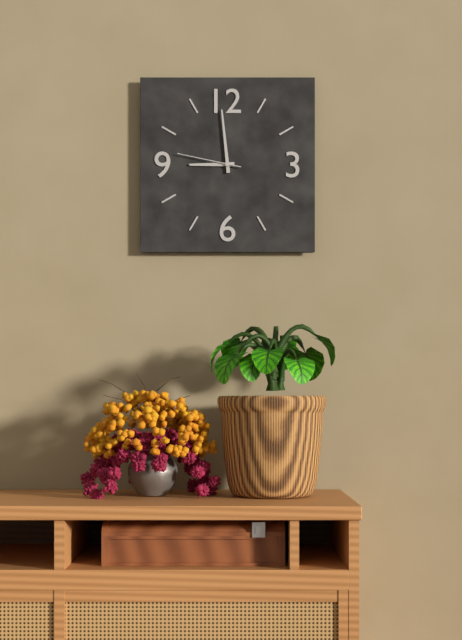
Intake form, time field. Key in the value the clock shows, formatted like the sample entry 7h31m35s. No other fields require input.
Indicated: 8h59m47s
